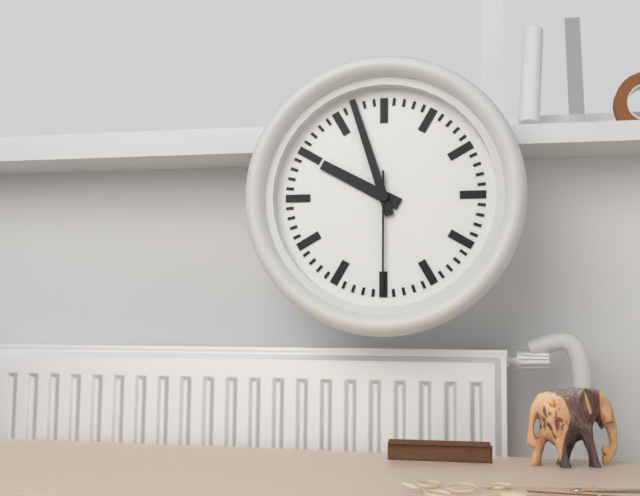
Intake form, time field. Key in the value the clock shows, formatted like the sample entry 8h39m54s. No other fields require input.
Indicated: 9h57m30s
